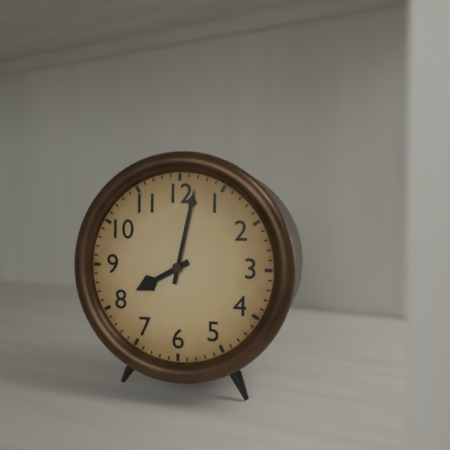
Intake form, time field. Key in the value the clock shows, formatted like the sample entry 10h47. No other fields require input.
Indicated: 8h02
